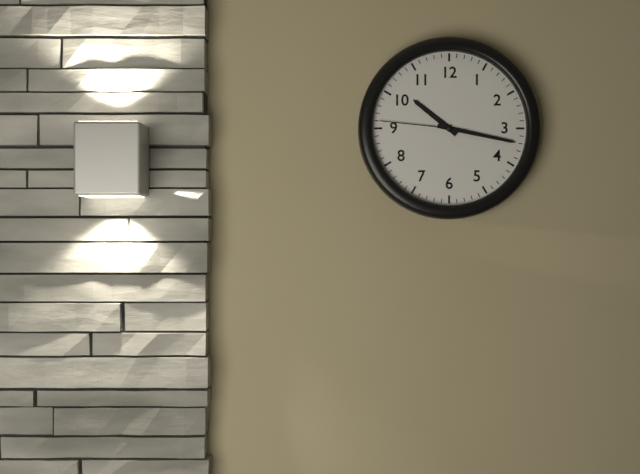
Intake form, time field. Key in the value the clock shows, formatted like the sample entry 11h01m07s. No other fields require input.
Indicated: 10h17m46s
